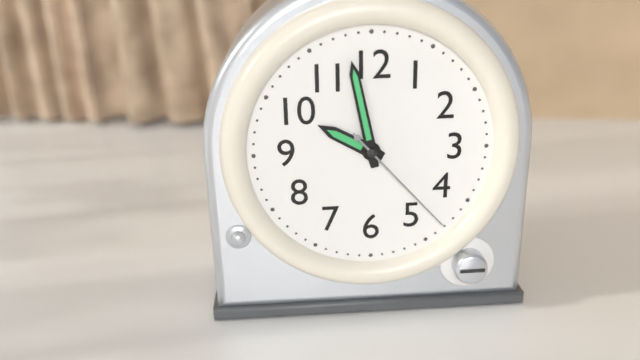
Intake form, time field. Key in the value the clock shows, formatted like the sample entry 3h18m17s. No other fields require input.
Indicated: 9h58m23s
